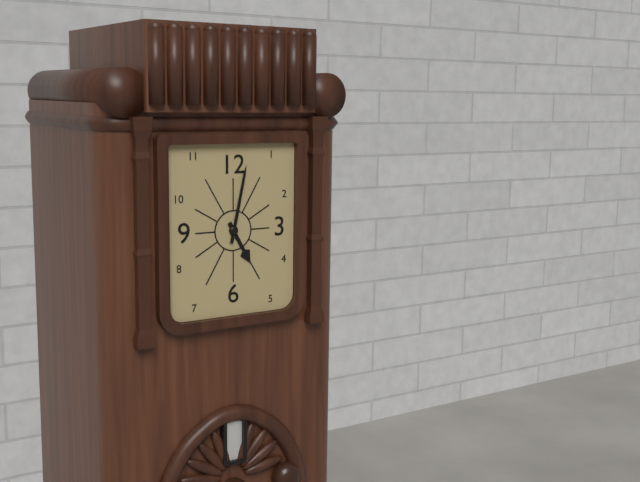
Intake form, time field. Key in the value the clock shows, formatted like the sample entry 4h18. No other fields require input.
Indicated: 5h02
